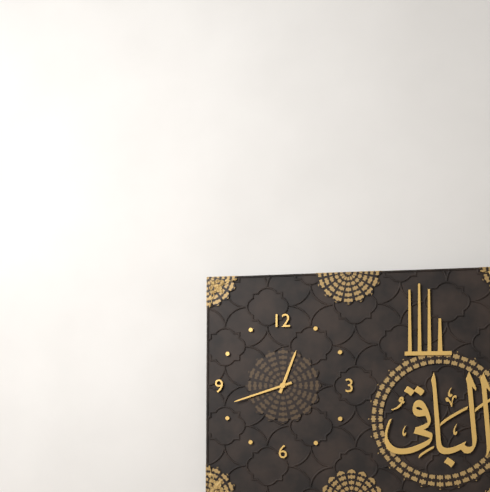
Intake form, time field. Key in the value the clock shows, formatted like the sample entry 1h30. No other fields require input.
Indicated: 12h42
